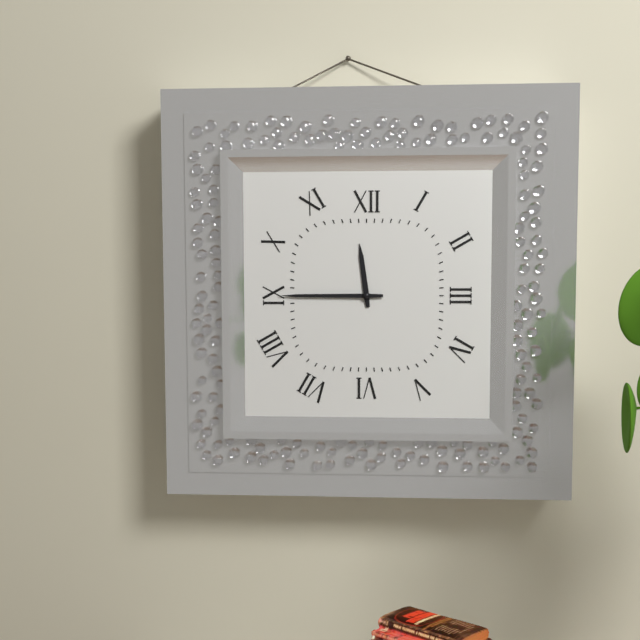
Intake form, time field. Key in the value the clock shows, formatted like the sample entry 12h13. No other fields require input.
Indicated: 11h45
